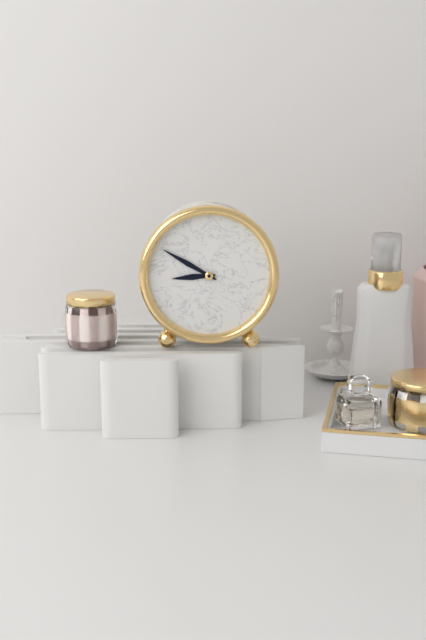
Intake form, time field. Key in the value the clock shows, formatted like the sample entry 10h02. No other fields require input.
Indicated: 8h50
